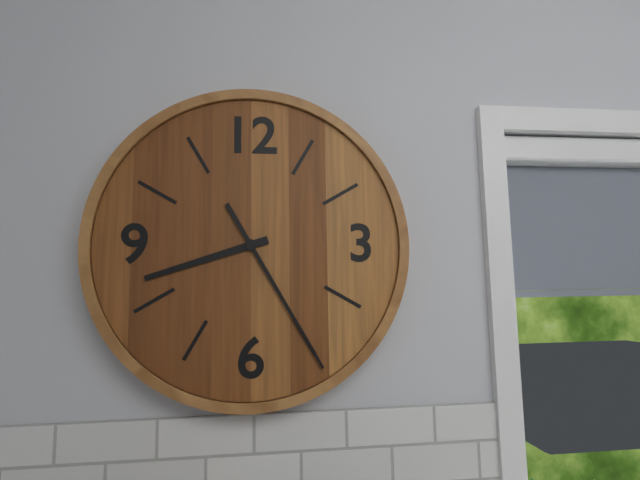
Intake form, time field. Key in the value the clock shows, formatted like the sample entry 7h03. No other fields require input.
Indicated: 8h25
